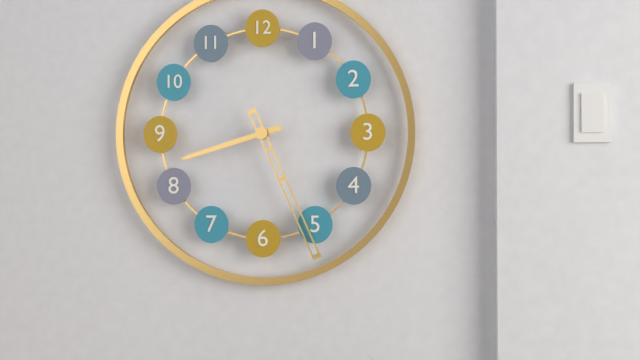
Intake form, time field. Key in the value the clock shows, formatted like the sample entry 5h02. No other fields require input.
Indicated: 8h26
